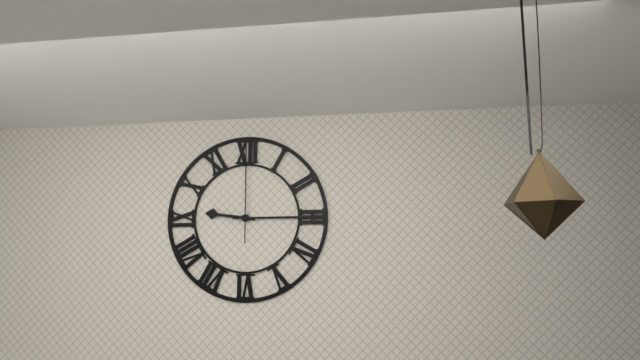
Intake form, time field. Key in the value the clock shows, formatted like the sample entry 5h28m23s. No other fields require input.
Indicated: 9h15m00s
